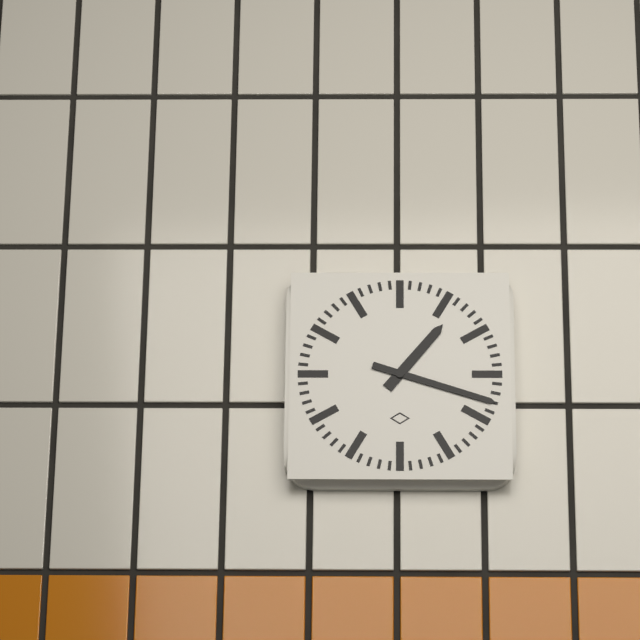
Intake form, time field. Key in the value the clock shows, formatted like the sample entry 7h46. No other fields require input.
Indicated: 1h18
